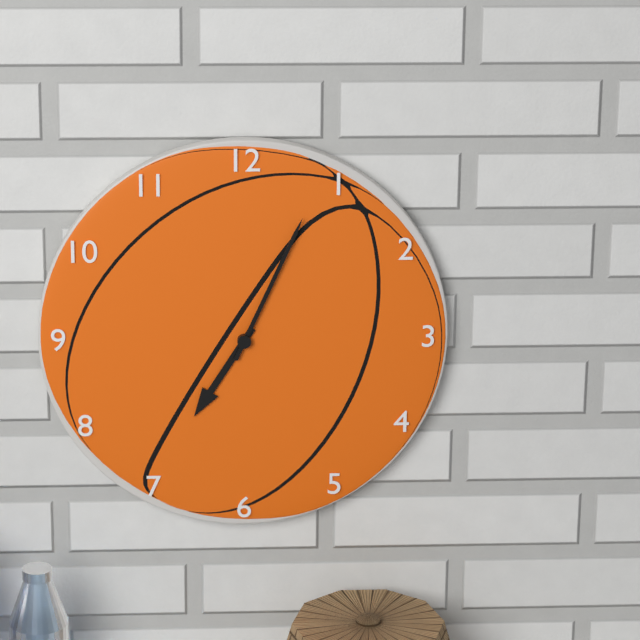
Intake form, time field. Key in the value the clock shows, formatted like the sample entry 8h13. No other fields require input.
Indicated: 7h04
